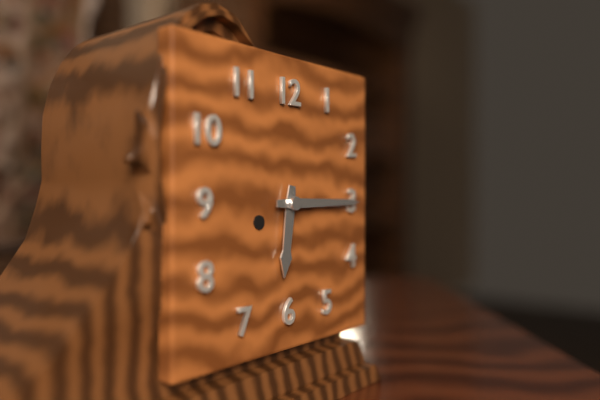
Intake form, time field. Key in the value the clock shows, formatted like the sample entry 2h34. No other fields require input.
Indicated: 6h15
